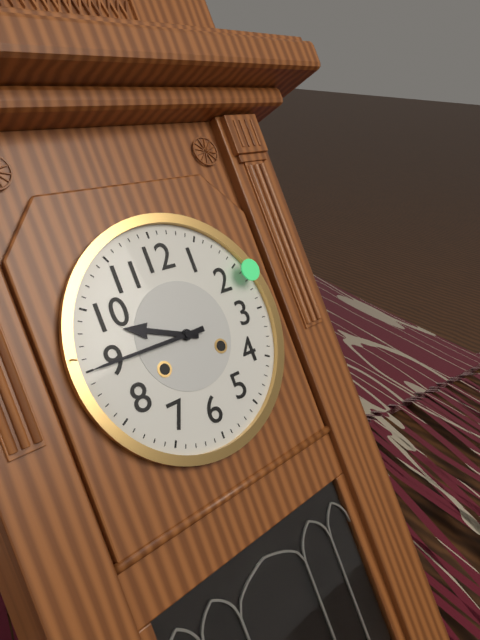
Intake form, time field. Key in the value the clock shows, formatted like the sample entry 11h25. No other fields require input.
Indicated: 9h45
